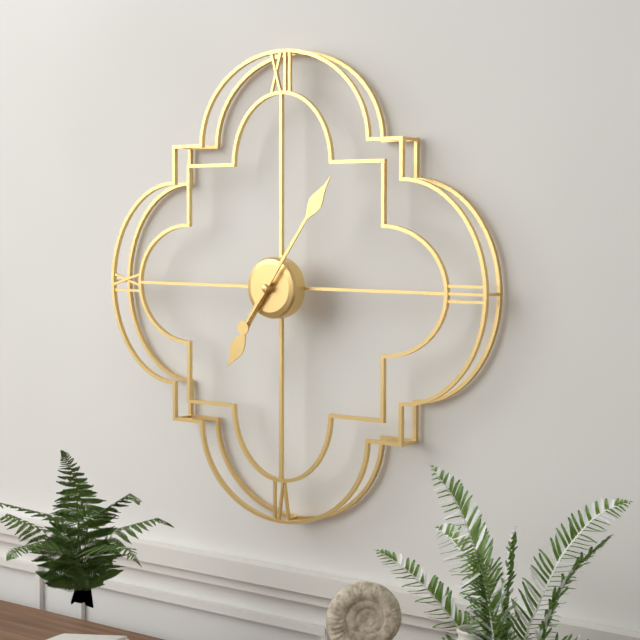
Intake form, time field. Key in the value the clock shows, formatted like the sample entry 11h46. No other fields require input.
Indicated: 7h06
